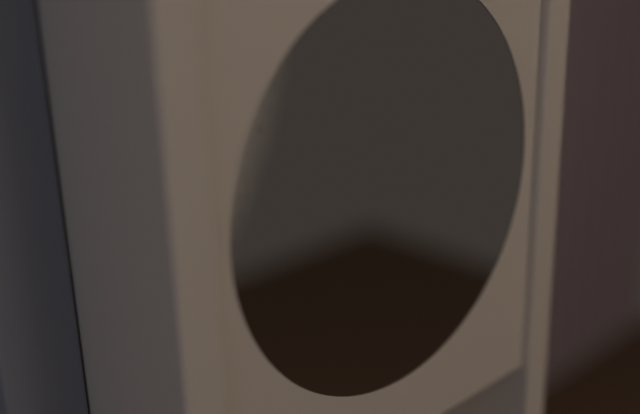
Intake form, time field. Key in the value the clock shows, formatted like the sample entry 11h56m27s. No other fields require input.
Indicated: 12h29m12s
